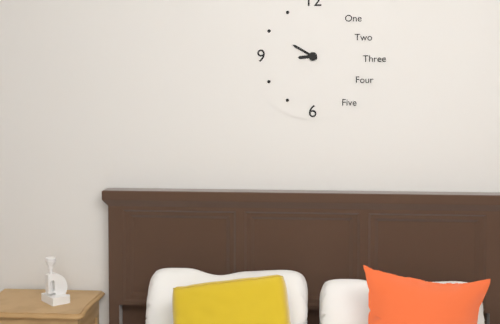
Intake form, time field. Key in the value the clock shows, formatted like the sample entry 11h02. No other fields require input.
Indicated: 8h50
